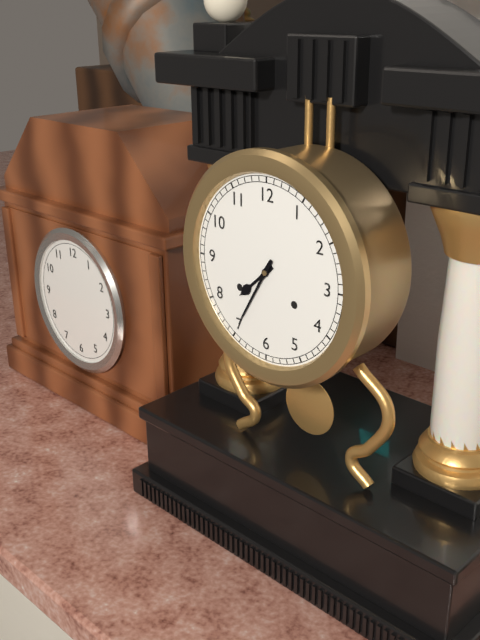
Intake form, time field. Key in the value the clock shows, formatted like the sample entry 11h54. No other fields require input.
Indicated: 7h35
